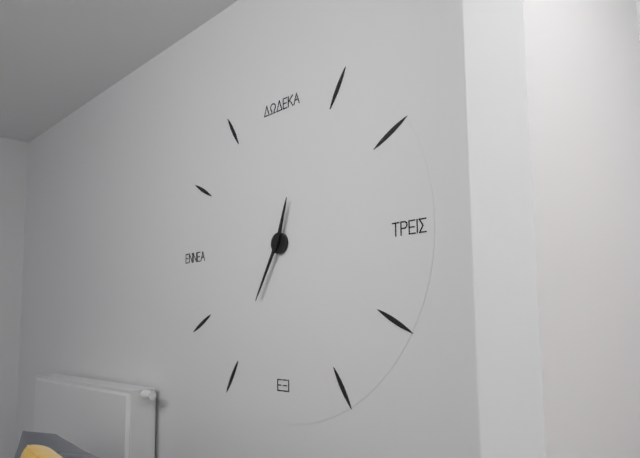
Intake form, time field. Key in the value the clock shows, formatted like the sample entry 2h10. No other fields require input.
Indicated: 12h35
